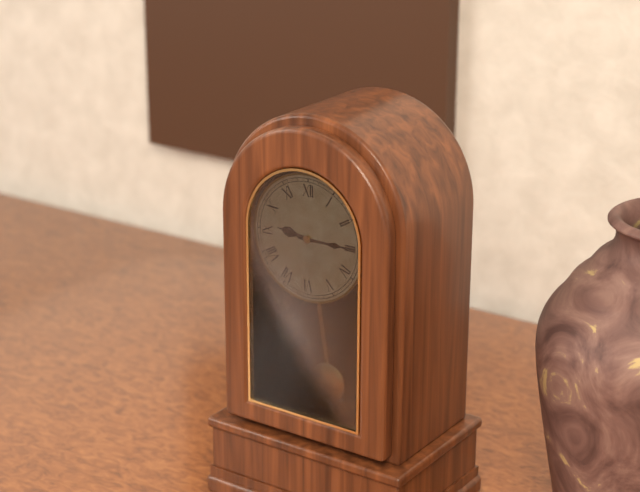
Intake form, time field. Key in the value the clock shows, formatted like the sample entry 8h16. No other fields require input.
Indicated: 9h15
